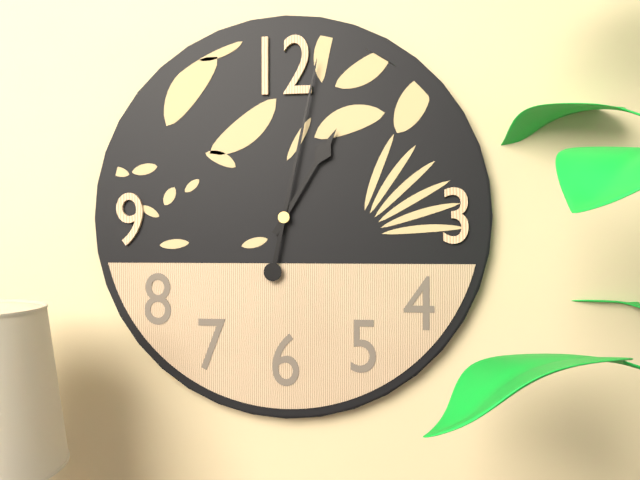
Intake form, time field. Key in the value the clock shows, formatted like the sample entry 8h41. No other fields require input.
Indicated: 1h02
